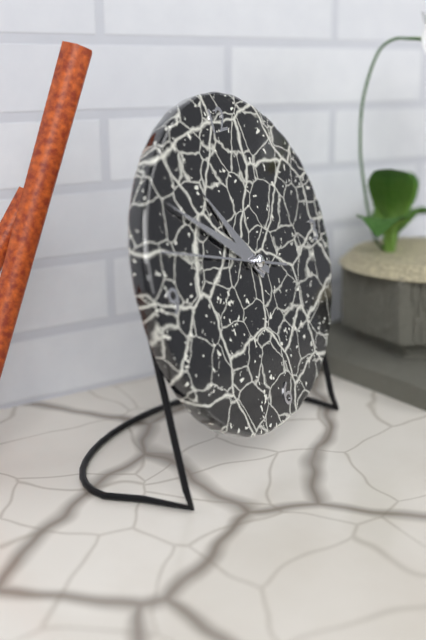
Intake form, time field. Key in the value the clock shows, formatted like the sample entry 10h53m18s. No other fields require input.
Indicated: 10h51m48s
